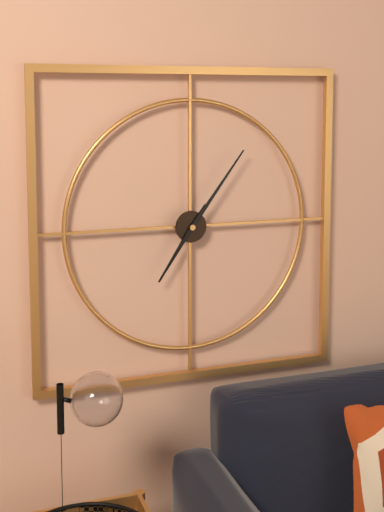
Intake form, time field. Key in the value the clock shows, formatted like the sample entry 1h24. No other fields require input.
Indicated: 7h06
